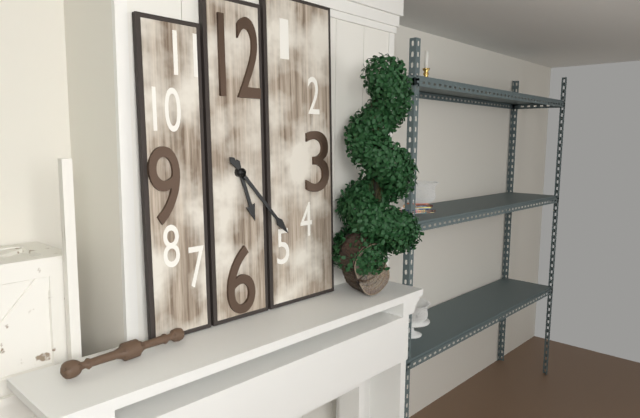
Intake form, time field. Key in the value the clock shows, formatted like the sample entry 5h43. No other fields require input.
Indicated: 5h23
